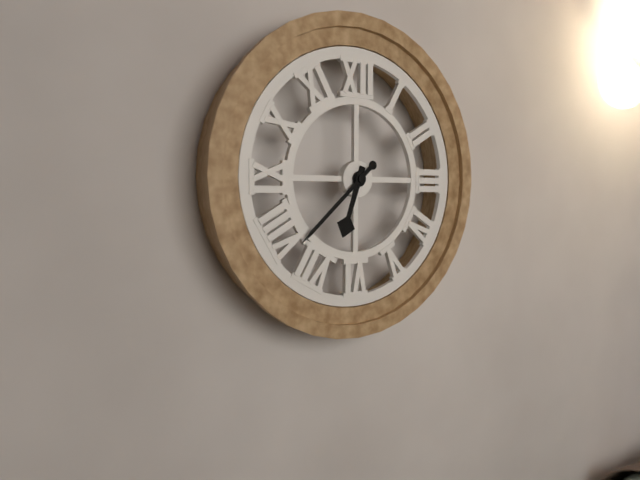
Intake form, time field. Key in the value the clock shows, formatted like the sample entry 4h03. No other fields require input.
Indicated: 6h38
